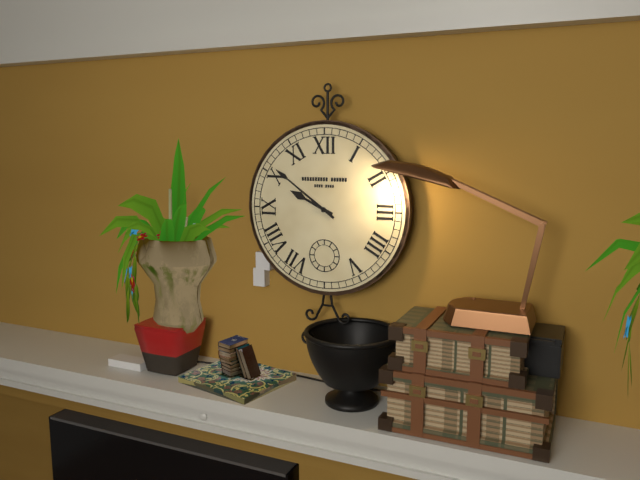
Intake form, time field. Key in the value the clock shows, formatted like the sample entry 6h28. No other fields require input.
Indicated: 9h51
